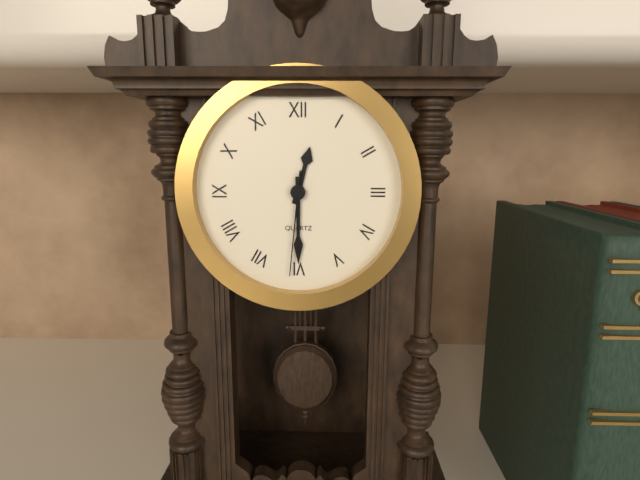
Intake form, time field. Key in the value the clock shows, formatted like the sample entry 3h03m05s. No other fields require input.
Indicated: 12h30m31s
